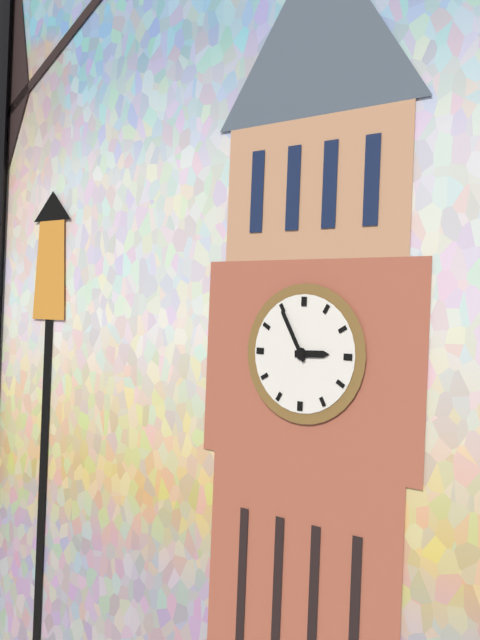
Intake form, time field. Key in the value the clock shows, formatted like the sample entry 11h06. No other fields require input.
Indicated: 2h55
